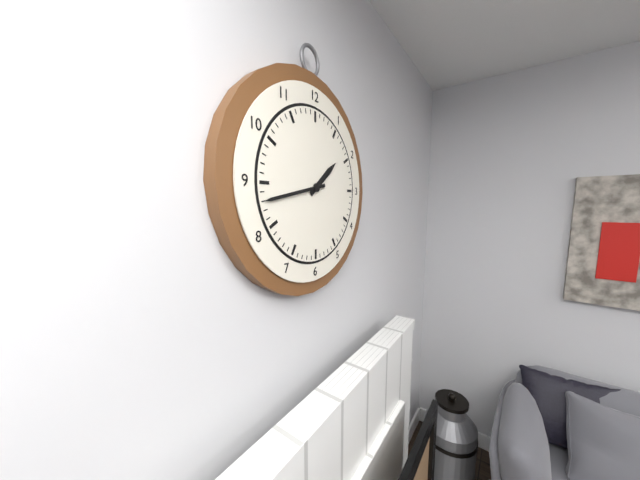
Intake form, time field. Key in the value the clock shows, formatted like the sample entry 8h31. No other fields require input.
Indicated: 1h43
